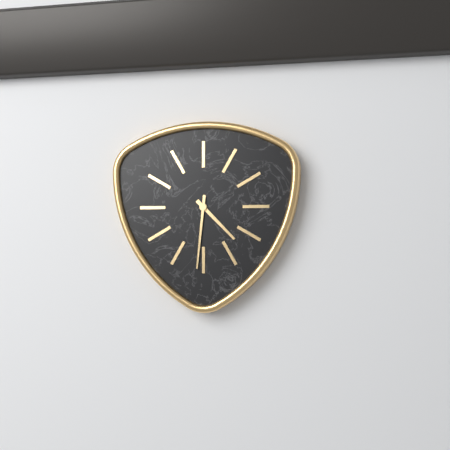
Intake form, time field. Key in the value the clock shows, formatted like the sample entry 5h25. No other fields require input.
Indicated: 4h31
